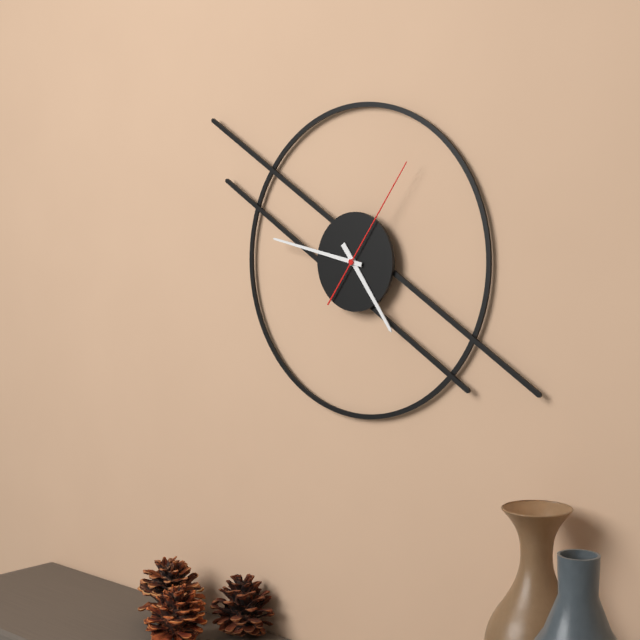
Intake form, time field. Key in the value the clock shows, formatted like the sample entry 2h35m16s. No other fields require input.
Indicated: 4h47m06s
